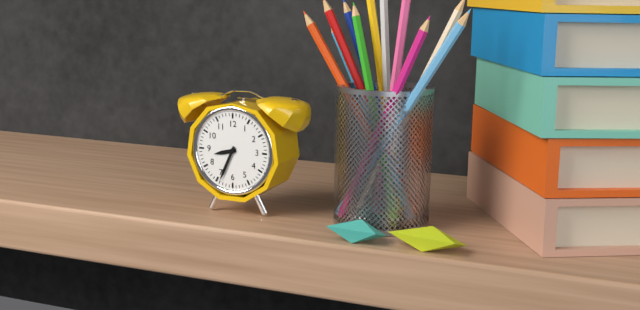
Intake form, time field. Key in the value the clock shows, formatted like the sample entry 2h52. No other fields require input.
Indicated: 8h34
